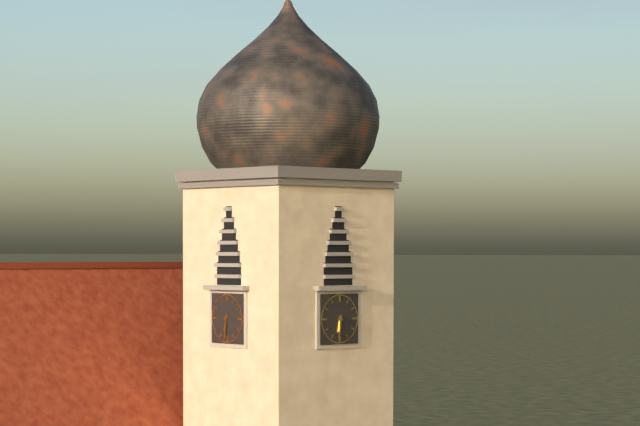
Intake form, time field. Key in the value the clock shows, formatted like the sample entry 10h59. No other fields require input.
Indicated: 6h31
